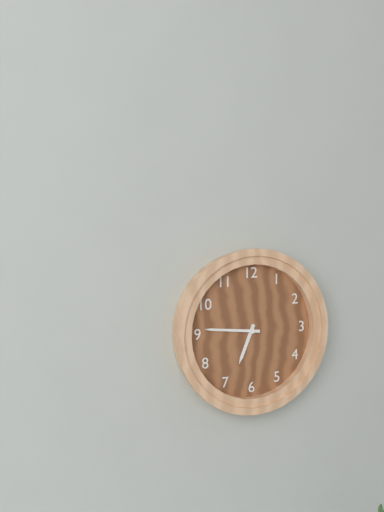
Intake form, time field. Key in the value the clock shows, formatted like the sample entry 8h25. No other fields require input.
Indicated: 6h46
